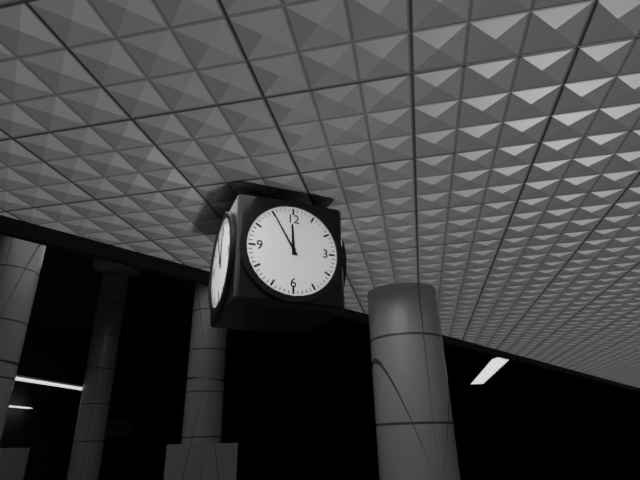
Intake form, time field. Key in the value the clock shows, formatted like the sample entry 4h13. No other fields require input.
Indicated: 11h55
